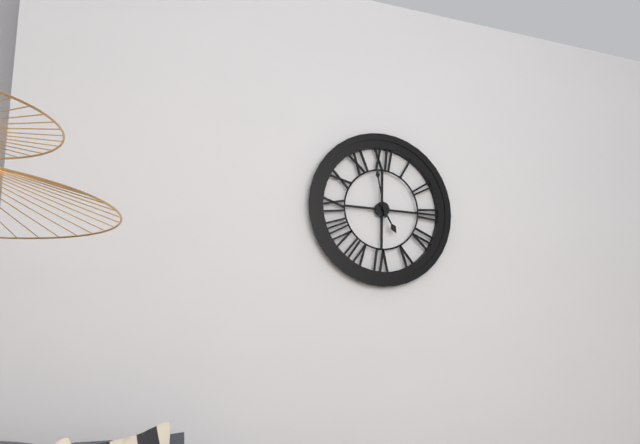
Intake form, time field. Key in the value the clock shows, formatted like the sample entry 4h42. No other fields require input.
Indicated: 4h58
